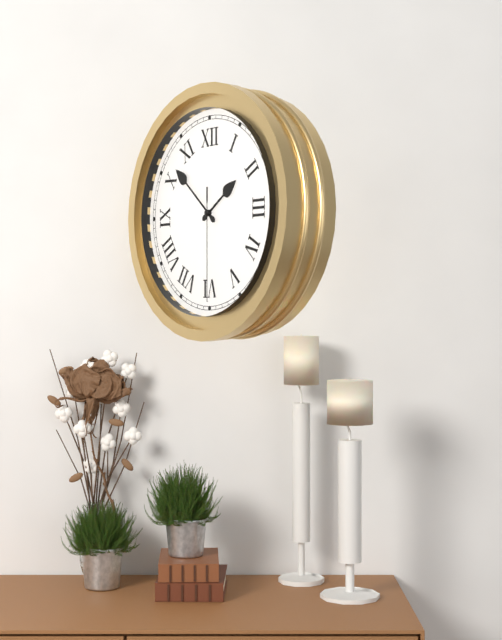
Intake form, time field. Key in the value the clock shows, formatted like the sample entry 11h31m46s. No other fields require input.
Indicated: 1h52m30s
